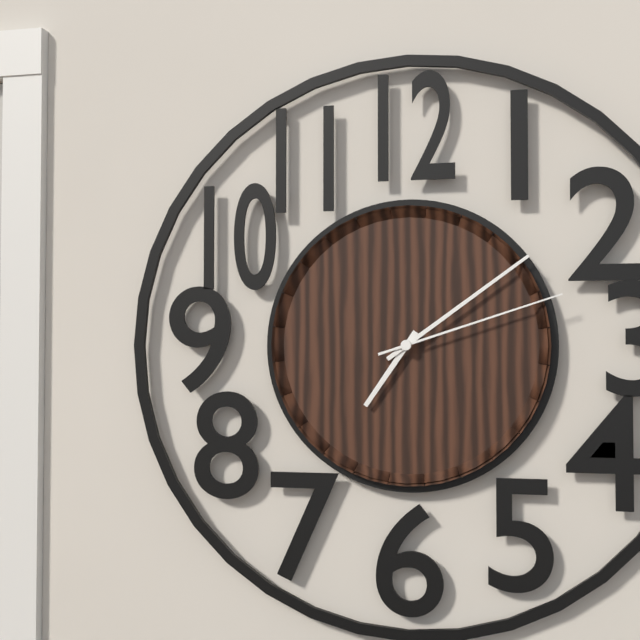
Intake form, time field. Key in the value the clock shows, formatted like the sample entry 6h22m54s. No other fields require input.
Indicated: 7h09m12s
